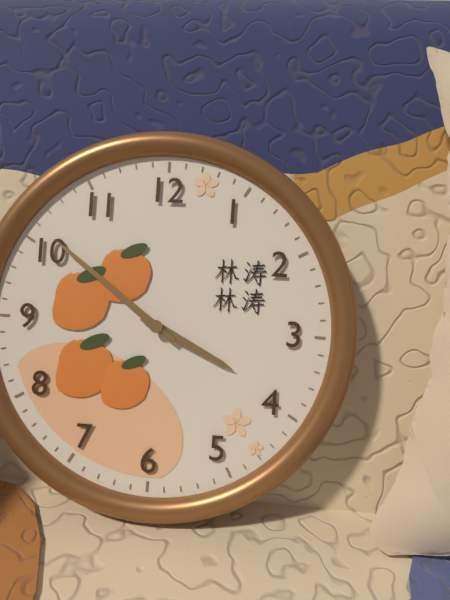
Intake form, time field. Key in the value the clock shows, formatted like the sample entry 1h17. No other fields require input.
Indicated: 3h51
